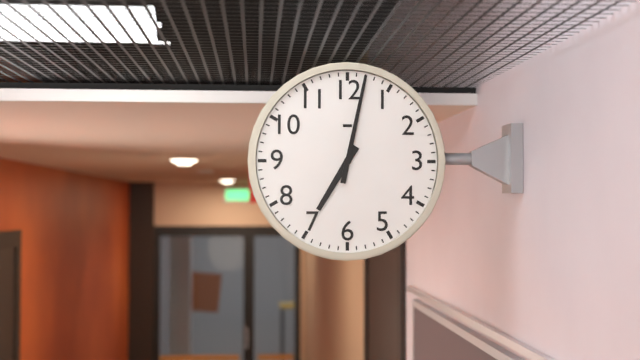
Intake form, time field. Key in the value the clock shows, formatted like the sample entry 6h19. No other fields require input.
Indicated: 7h02
